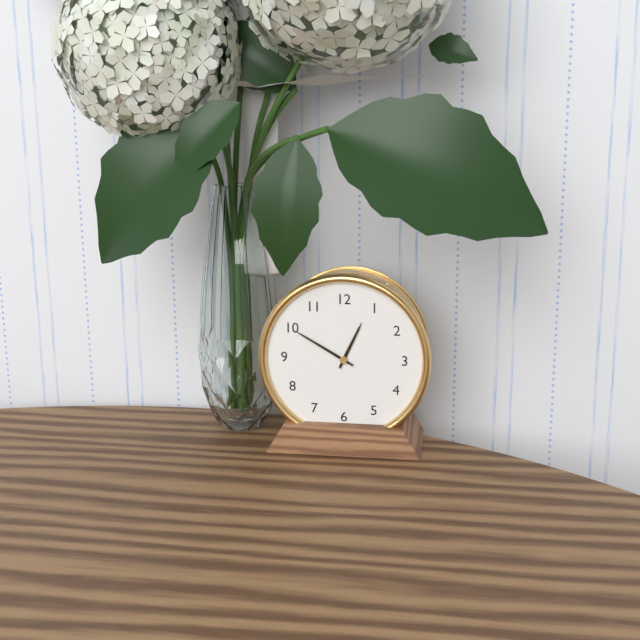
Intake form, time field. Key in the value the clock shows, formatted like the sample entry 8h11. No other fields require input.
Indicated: 12h50
